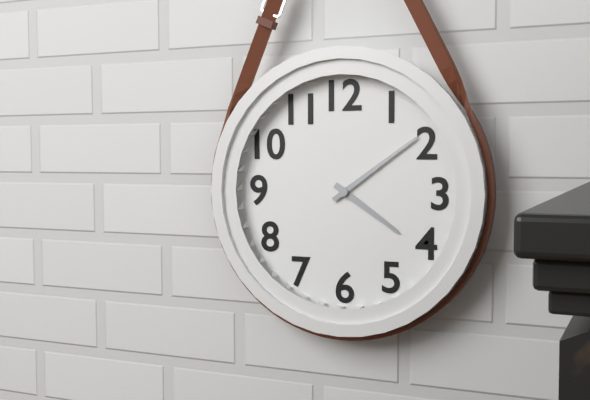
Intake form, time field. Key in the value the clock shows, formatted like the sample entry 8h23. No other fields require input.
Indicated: 4h09
